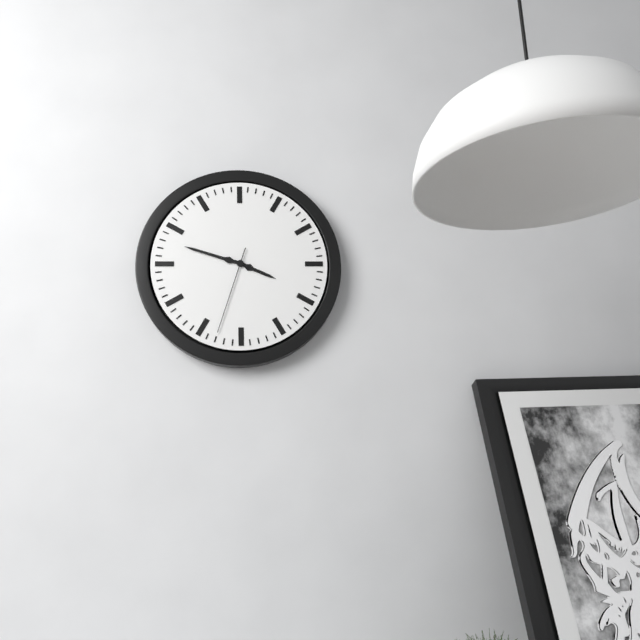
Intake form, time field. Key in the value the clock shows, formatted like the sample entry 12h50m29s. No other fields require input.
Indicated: 3h48m33s
